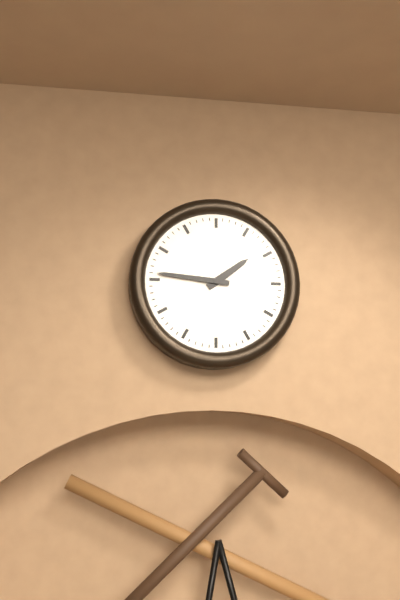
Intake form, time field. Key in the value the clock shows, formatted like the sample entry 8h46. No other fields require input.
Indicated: 1h46
